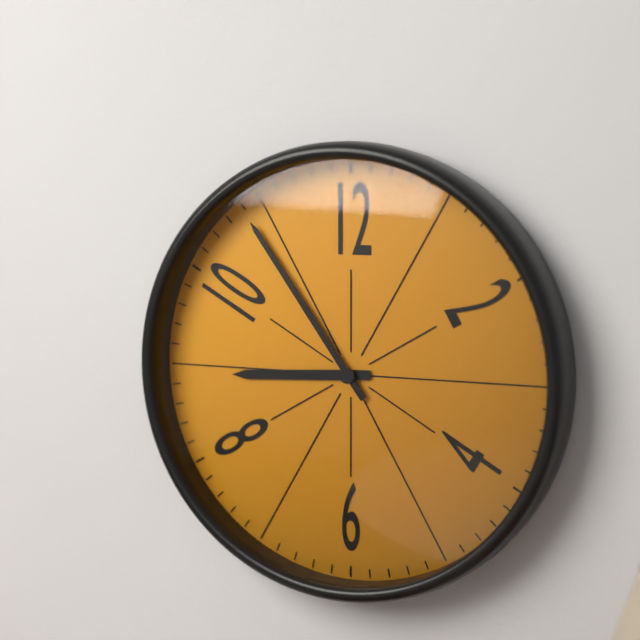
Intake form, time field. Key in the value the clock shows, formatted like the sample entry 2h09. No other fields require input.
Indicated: 8h54
